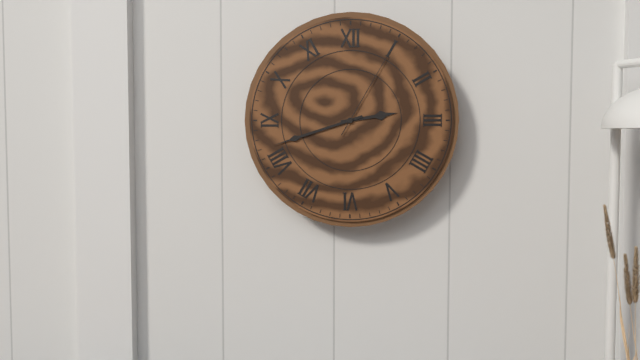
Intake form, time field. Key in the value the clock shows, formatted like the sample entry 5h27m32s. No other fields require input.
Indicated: 2h42m05s
